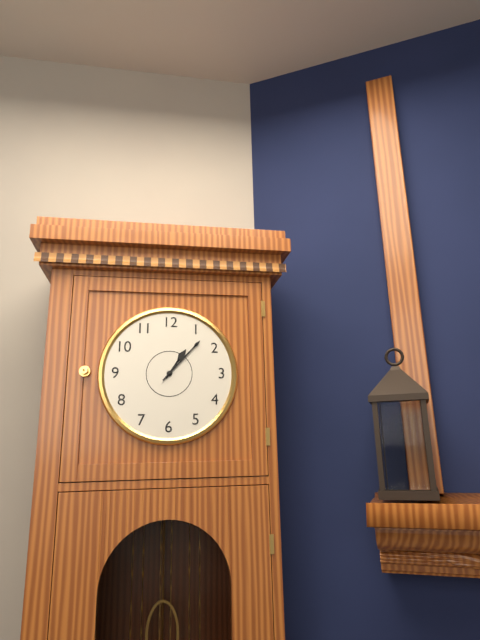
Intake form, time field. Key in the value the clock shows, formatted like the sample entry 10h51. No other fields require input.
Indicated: 1h07
